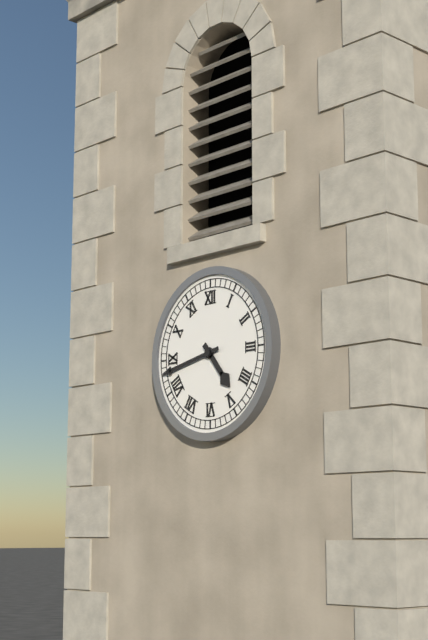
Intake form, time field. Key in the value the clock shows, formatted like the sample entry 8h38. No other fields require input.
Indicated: 4h43
